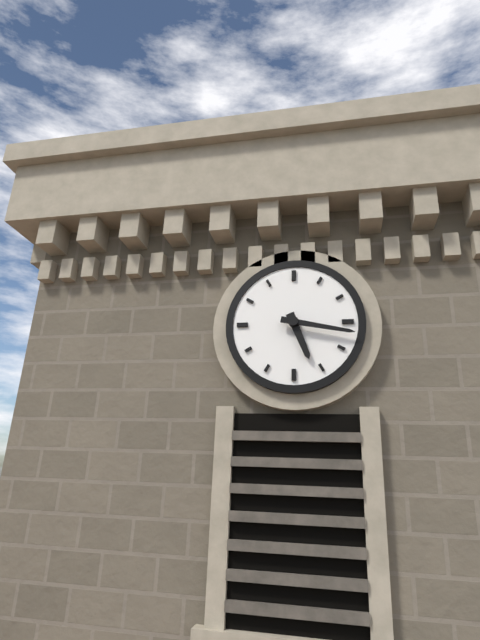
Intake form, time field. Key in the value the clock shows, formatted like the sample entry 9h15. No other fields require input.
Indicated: 5h17
